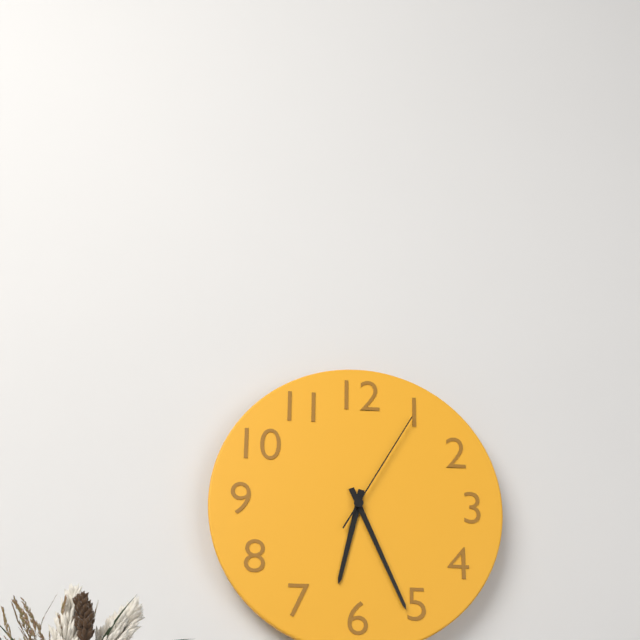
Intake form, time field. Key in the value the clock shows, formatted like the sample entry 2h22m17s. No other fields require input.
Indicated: 6h26m05s
